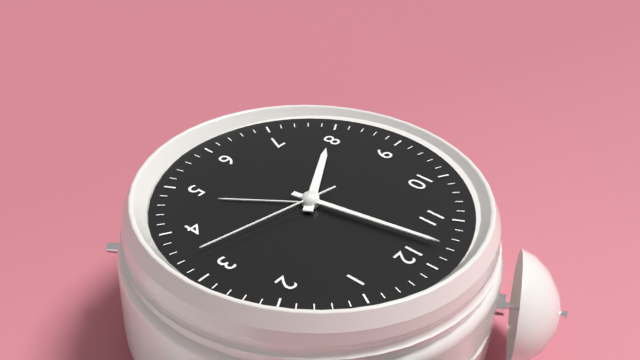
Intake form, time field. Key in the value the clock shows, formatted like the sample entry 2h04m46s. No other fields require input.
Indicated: 7h58m17s
